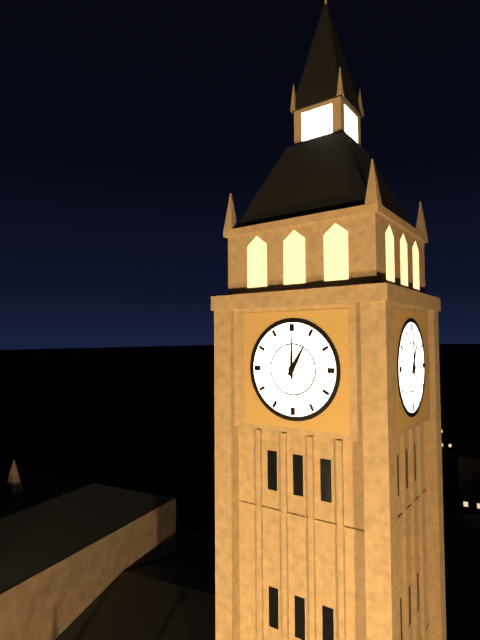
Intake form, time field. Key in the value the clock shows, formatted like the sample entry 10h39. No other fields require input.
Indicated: 1h00
